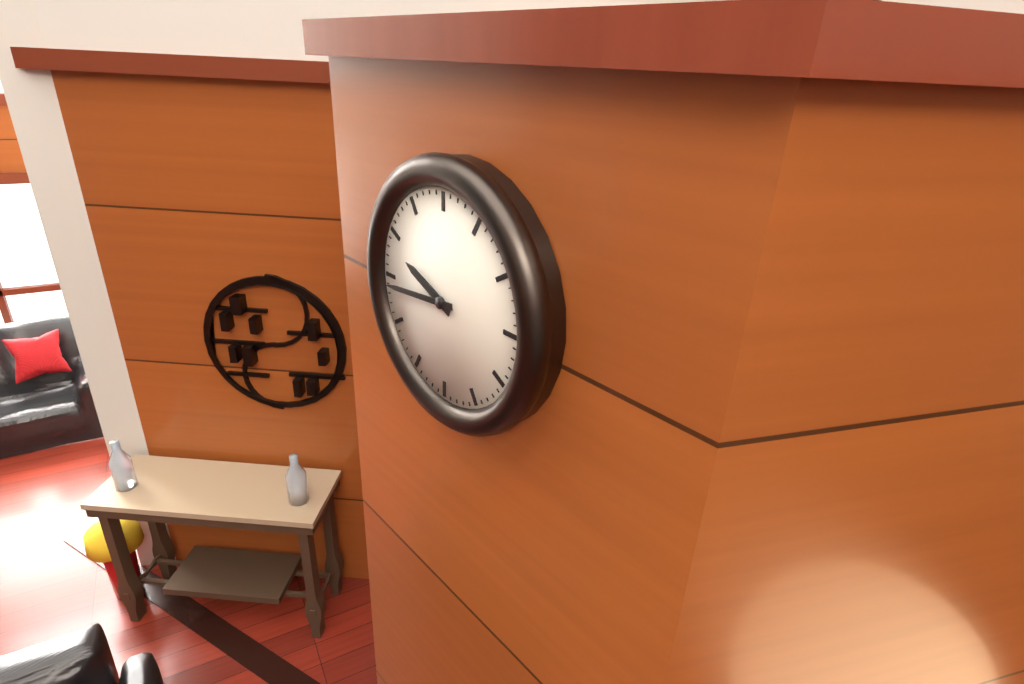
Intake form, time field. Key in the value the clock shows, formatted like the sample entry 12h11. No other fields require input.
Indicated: 9h44
